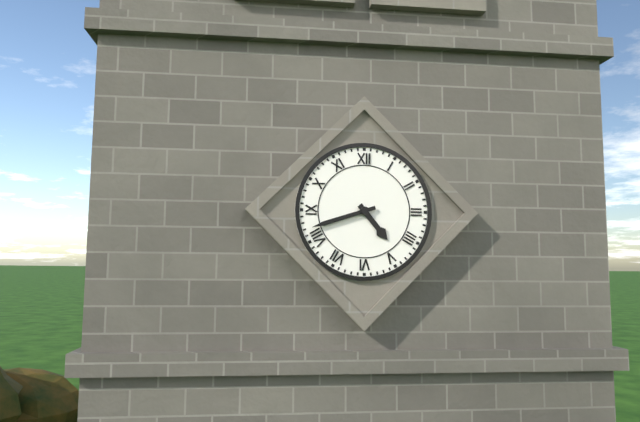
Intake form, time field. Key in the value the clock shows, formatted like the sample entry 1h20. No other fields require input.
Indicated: 4h42
